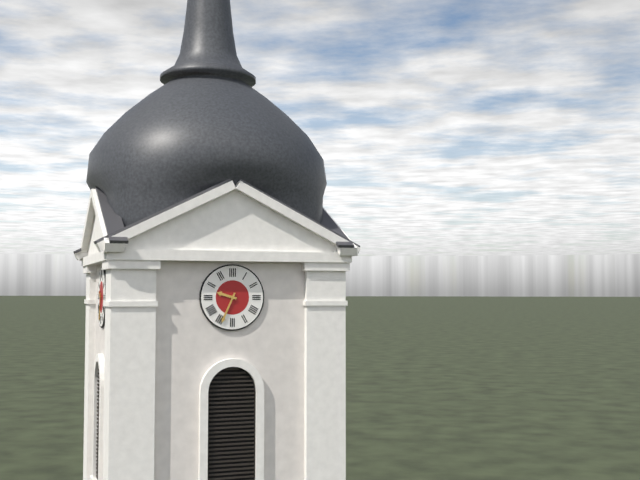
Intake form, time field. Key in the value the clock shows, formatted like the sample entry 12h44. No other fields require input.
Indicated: 9h34
